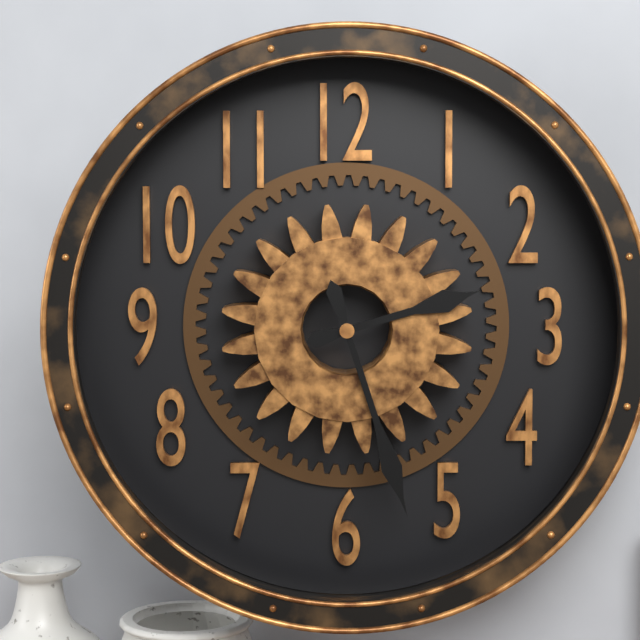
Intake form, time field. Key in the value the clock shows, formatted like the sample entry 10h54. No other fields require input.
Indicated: 2h27
